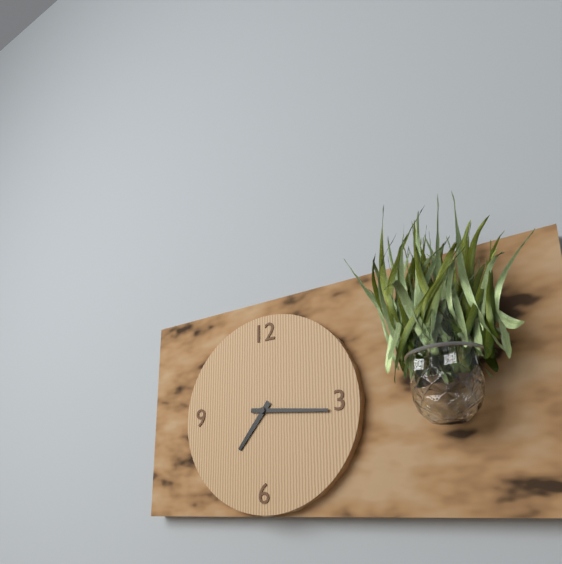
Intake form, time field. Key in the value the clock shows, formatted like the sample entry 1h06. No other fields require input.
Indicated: 7h16
